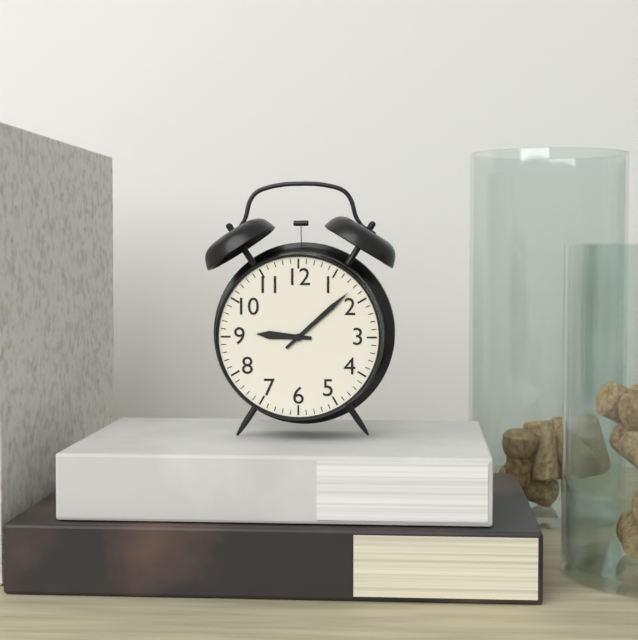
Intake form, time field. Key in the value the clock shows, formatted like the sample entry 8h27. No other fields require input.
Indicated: 9h08
